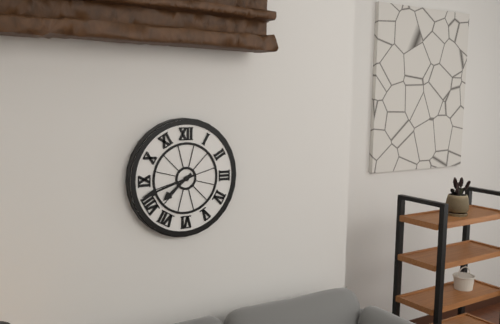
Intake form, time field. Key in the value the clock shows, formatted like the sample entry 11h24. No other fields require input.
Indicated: 7h42
